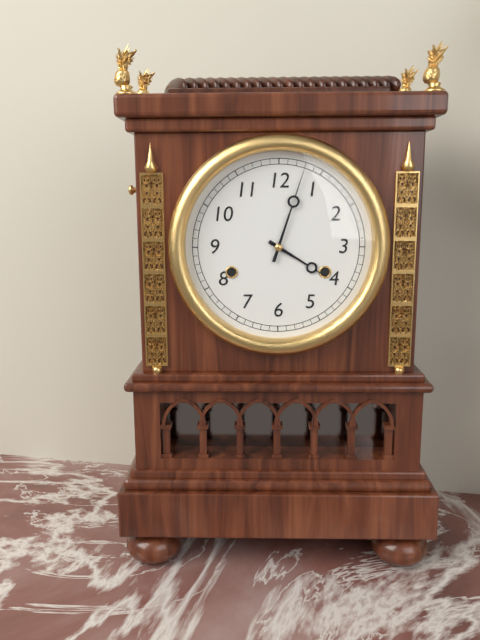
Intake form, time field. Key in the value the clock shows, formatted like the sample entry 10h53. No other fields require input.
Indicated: 4h03
